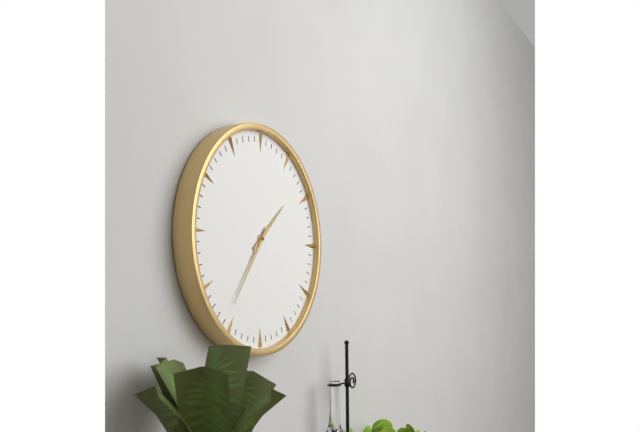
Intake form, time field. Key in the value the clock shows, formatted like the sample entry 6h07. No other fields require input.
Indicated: 1h36
